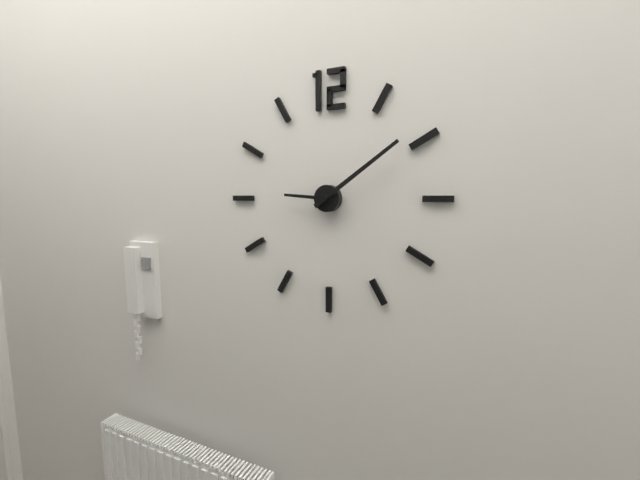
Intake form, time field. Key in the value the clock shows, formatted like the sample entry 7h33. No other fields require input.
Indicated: 9h09
